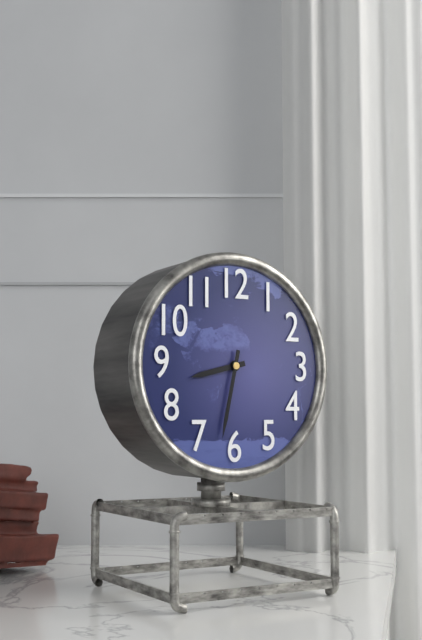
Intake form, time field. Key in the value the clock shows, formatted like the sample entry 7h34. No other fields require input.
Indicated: 8h32
